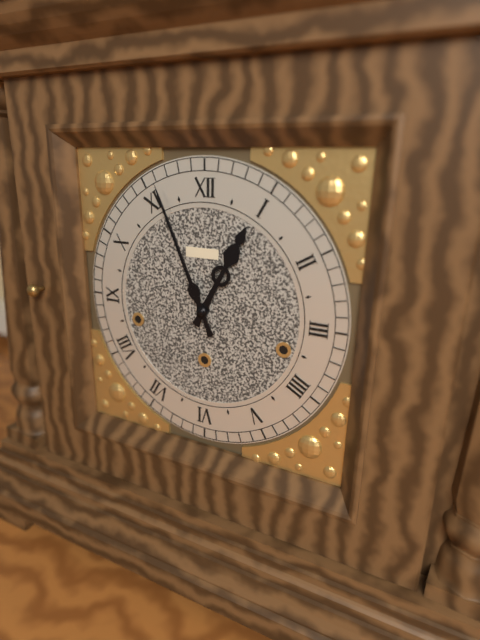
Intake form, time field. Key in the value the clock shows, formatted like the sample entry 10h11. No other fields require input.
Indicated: 12h56
